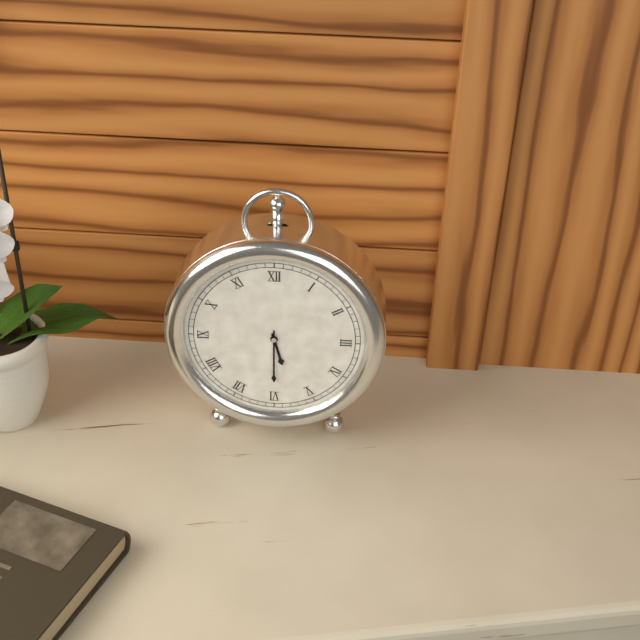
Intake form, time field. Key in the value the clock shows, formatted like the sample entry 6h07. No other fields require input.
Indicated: 5h30
